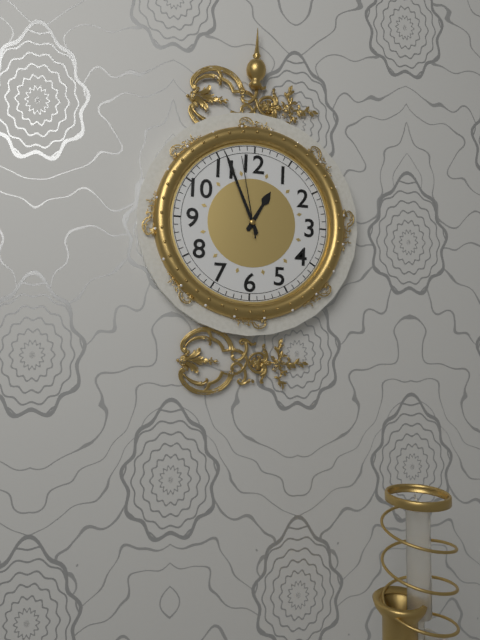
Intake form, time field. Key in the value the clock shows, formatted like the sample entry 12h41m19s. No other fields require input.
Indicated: 12h56m58s
